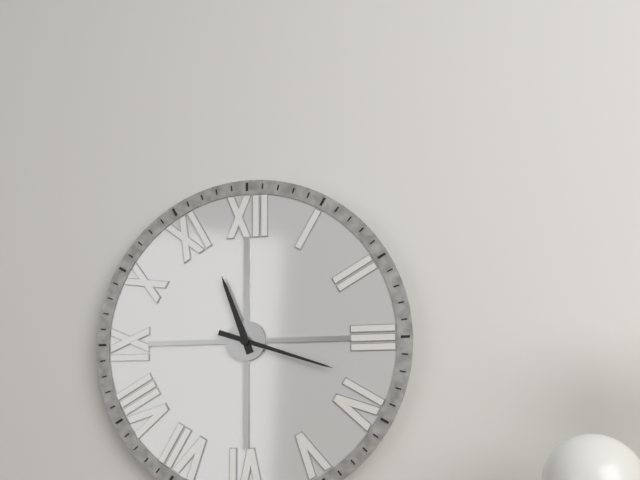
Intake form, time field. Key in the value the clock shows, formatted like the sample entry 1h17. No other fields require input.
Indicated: 11h18
